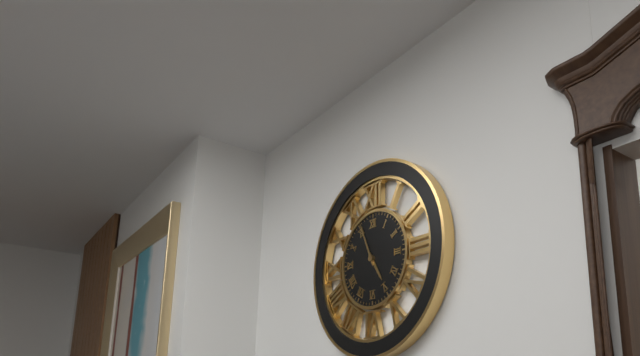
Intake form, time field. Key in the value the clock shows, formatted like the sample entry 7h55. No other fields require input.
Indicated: 4h56
